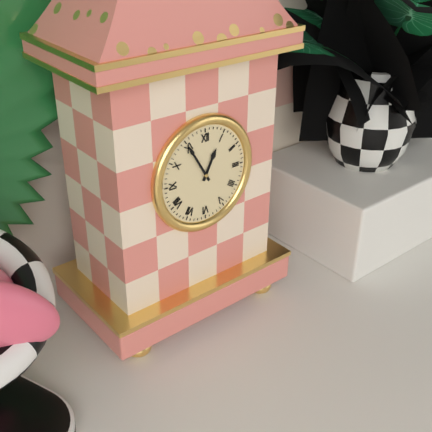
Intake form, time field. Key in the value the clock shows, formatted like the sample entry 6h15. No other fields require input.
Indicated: 12h55
